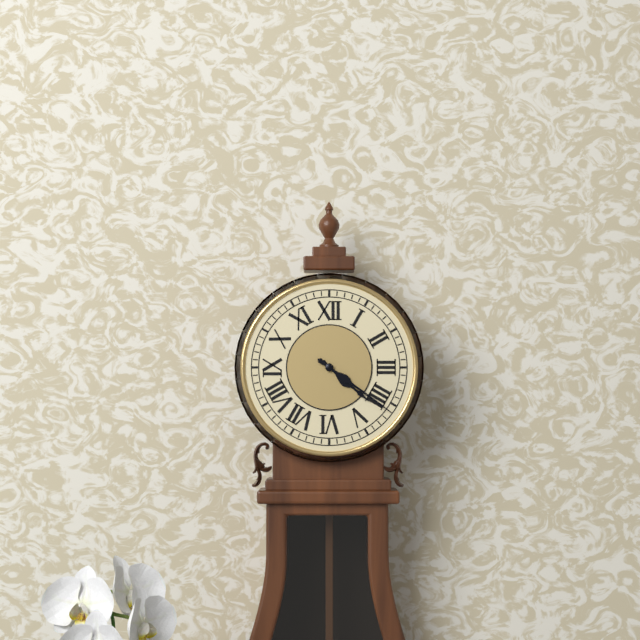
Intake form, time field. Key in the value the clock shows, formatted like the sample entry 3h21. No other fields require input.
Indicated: 4h21
